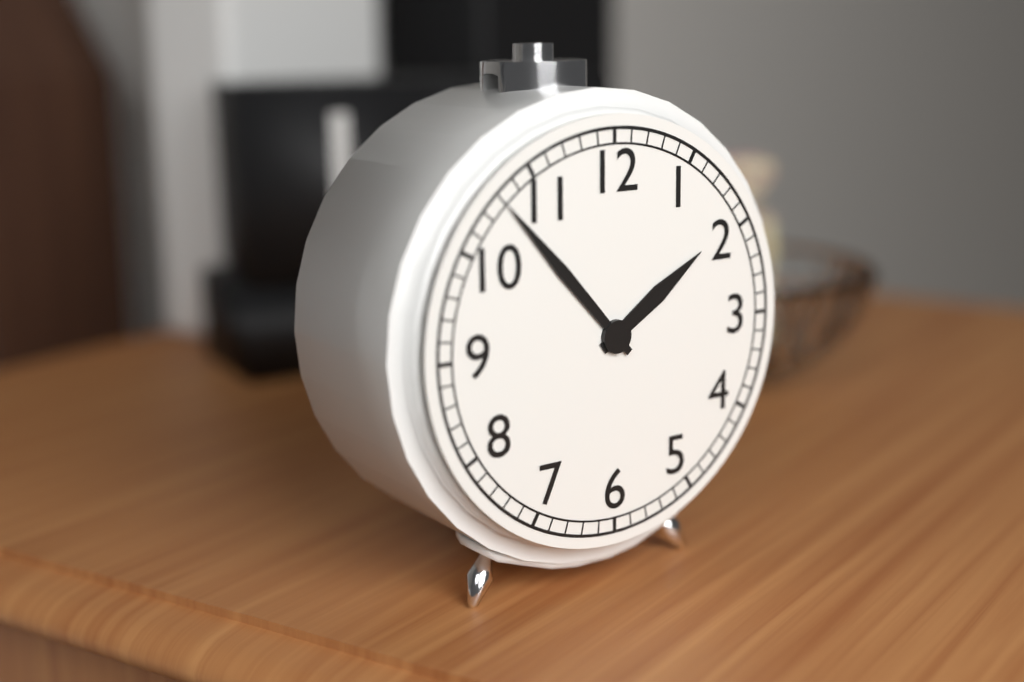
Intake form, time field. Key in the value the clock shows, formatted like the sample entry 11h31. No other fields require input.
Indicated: 1h53
